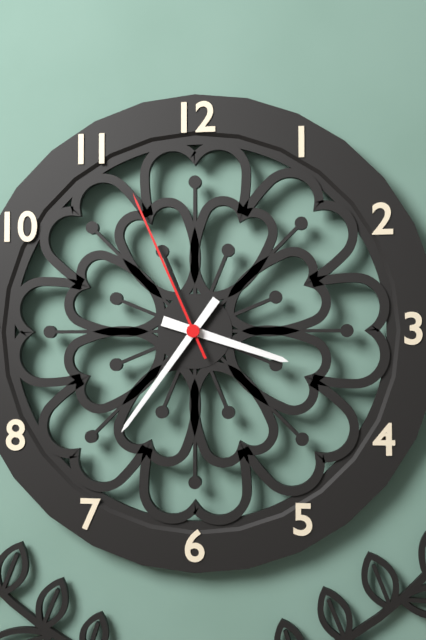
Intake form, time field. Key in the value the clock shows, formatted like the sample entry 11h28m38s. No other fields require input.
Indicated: 3h36m56s
